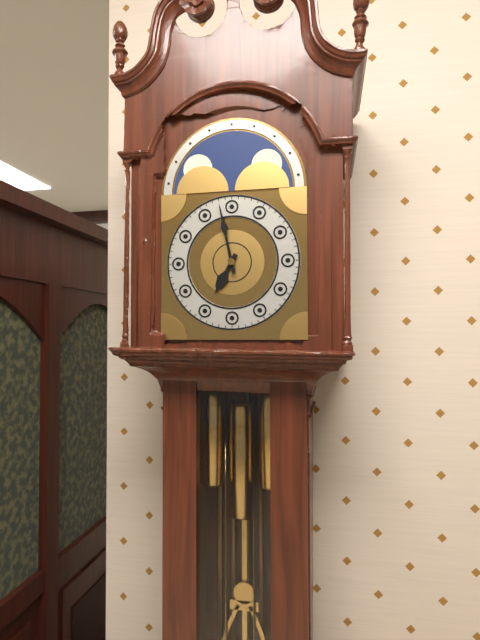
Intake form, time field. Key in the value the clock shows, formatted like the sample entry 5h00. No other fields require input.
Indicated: 6h58
